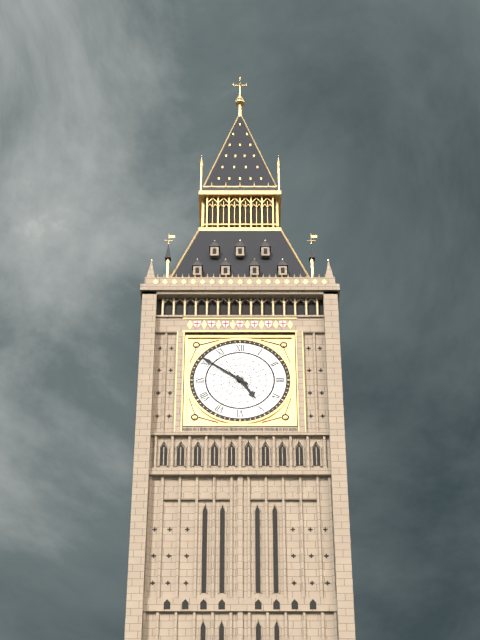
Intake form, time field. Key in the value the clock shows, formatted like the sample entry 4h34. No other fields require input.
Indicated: 4h51
